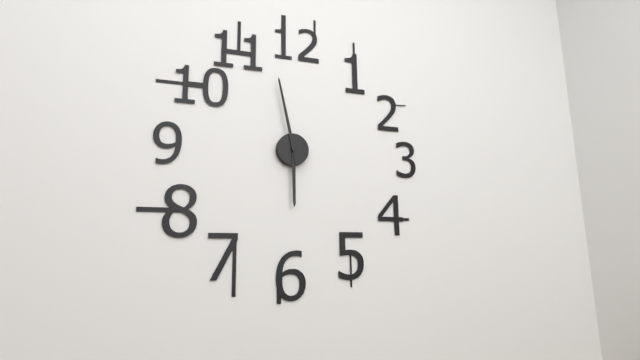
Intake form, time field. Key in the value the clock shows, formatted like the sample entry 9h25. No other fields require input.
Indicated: 5h58
